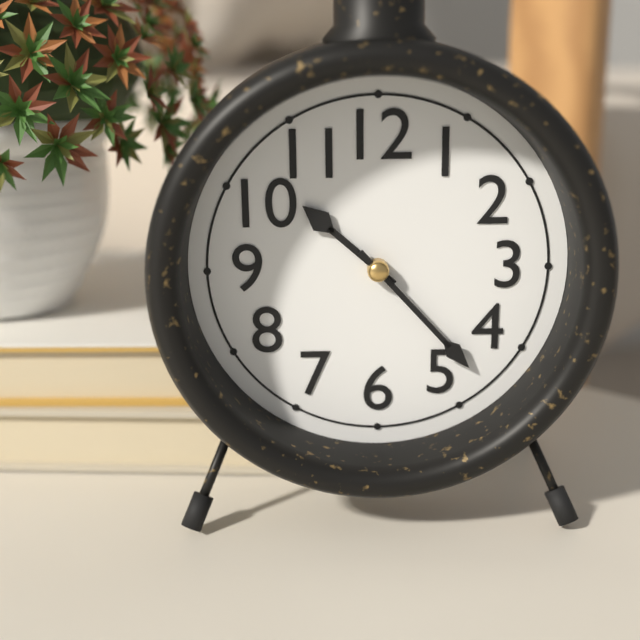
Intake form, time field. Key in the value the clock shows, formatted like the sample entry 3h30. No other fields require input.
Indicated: 10h23
